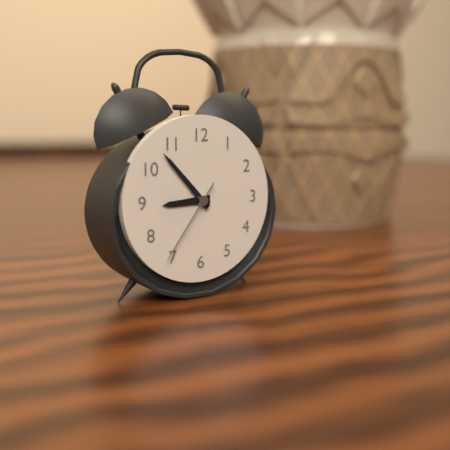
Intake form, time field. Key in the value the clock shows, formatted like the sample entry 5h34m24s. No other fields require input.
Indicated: 8h53m36s
